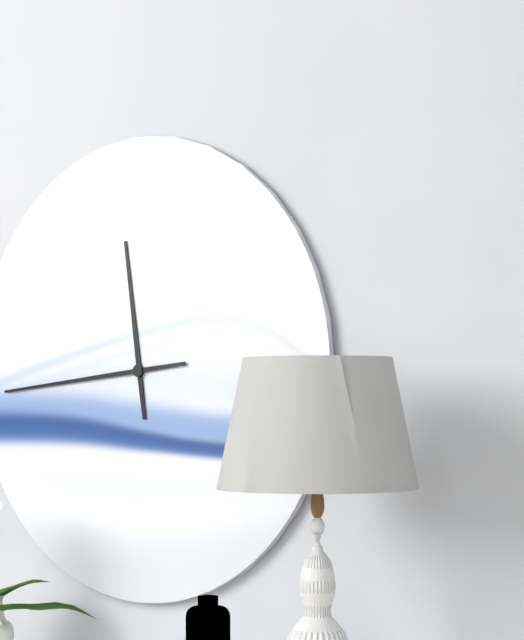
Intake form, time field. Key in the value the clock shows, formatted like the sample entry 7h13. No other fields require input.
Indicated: 11h44
